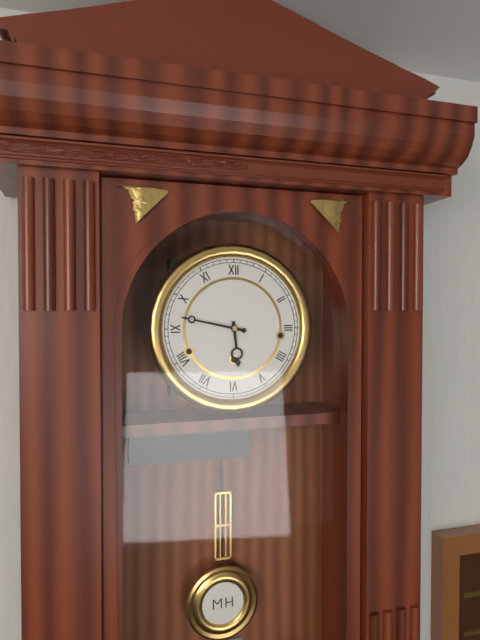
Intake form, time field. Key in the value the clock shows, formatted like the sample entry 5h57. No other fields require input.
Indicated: 5h47
